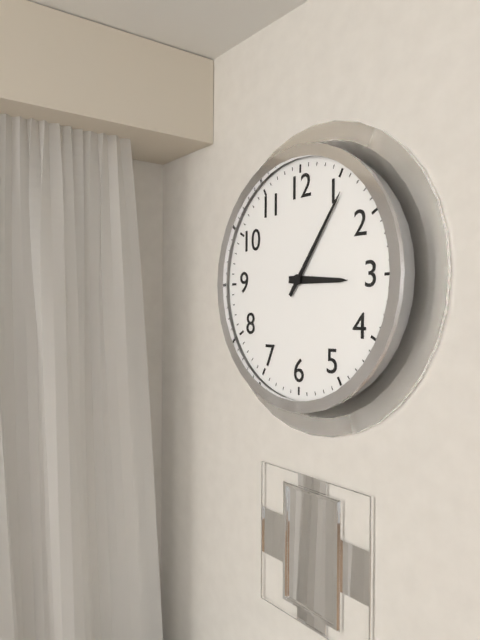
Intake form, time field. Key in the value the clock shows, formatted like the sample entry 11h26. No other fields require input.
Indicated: 3h06
